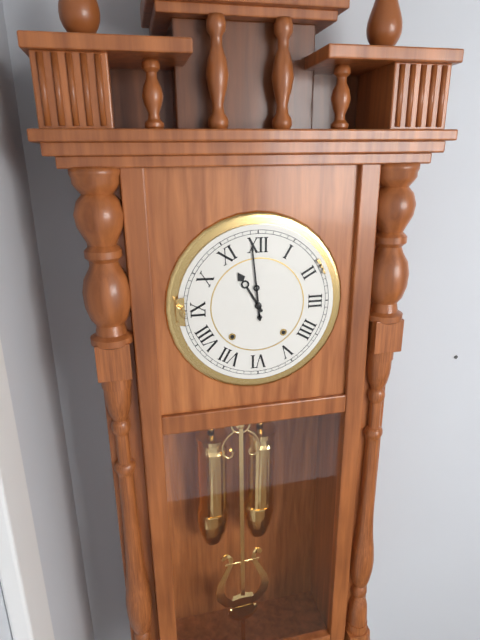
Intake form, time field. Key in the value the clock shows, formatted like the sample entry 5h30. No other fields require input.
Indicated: 10h59
